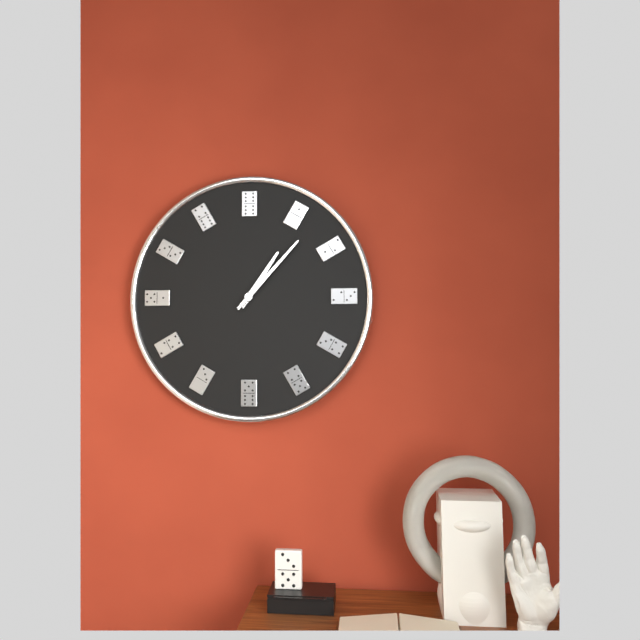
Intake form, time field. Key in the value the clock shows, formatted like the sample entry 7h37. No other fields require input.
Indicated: 1h07
